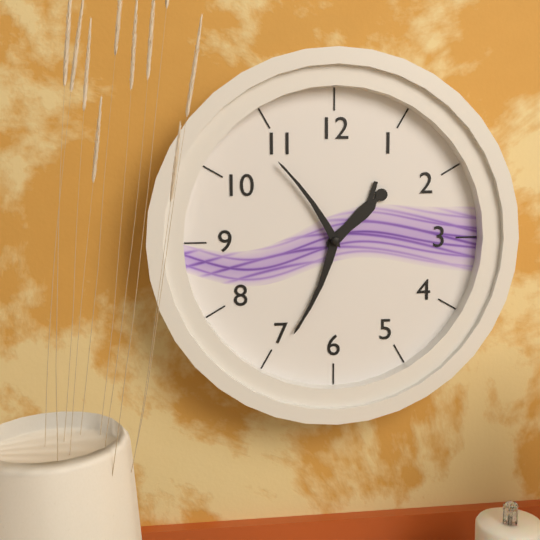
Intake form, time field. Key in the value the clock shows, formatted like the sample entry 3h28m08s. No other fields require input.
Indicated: 1h34m54s
